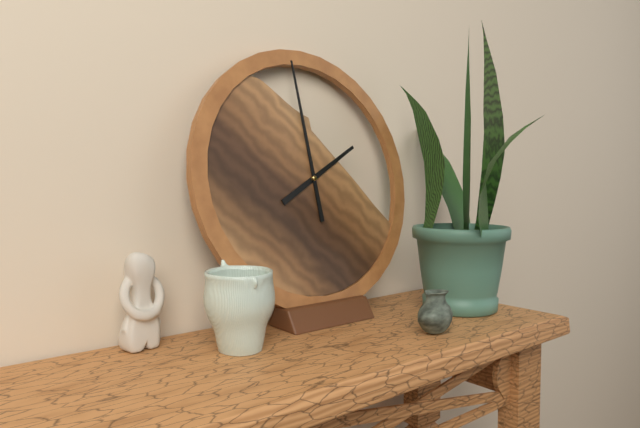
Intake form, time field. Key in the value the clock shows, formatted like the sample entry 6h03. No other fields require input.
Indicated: 1h59
